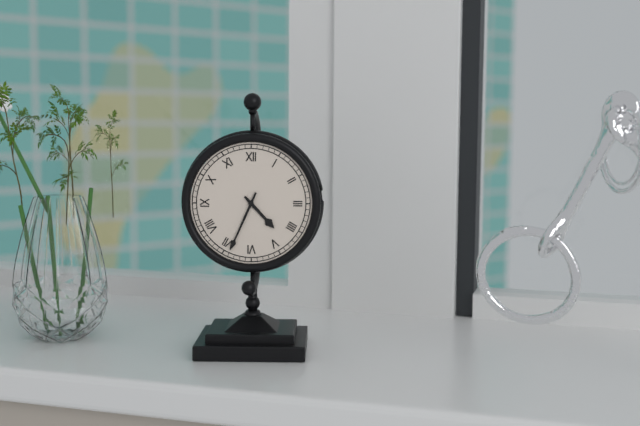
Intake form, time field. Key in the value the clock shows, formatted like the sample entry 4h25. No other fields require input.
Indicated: 4h34
